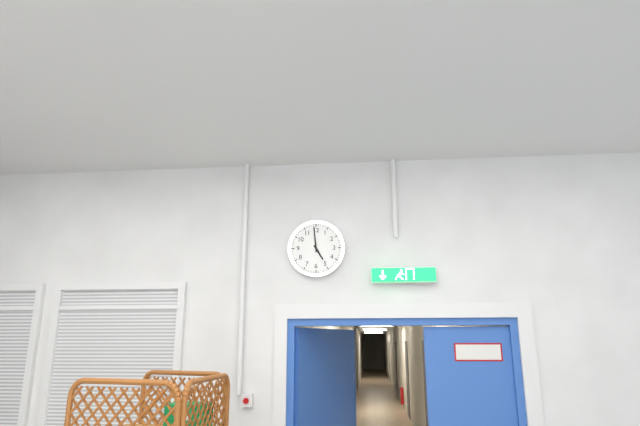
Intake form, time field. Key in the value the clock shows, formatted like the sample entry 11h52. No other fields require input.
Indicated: 4h59
